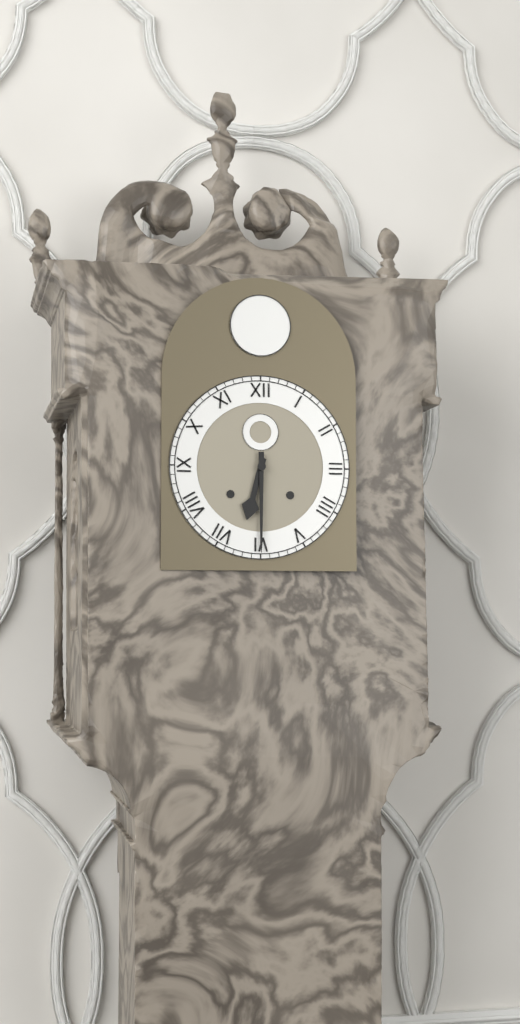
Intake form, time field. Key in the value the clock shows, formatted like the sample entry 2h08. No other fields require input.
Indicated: 6h30
